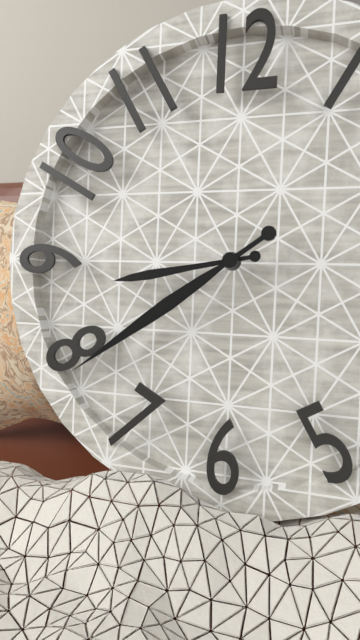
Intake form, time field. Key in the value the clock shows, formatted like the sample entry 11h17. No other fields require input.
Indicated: 8h39
